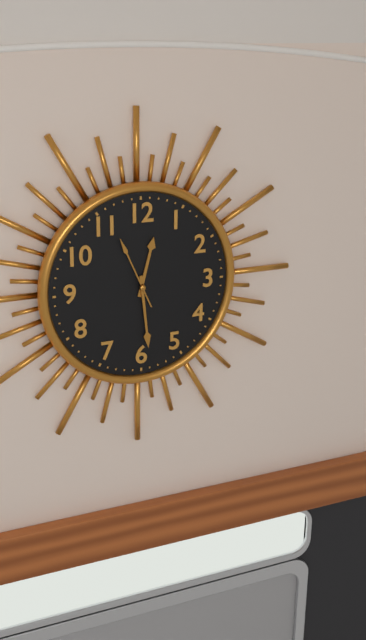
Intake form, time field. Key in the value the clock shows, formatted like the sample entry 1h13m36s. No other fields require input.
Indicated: 12h29m56s
